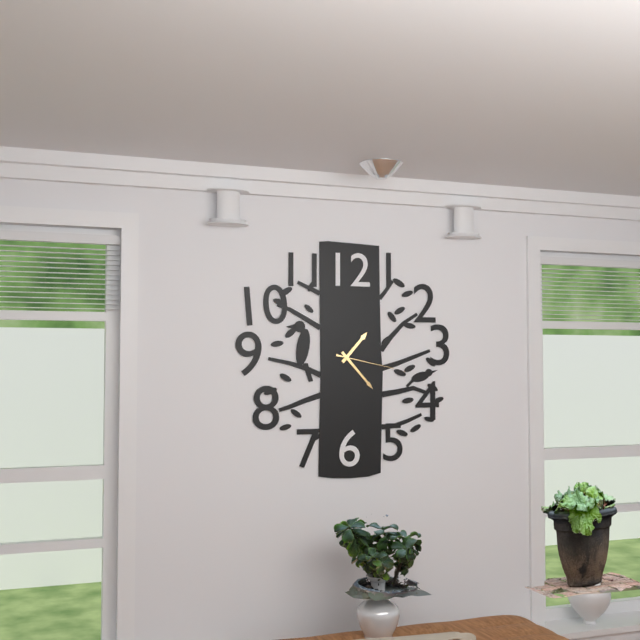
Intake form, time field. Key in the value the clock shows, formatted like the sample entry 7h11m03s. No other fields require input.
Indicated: 1h23m17s
